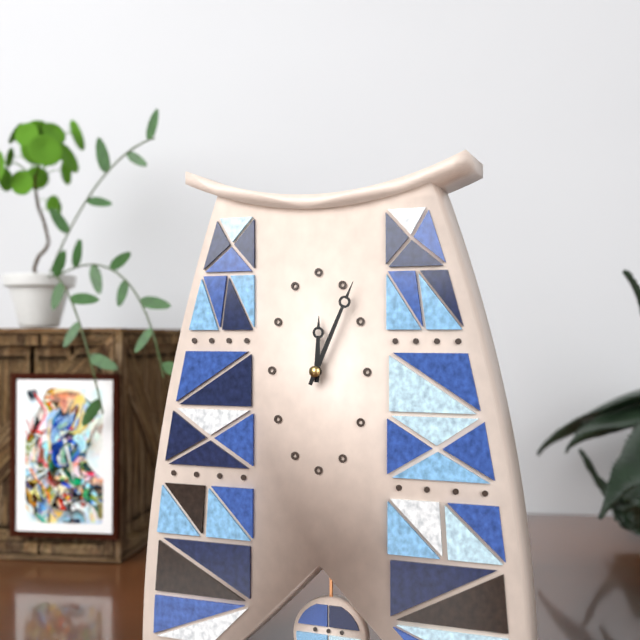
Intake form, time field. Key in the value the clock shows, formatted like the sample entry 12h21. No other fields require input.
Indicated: 12h04
